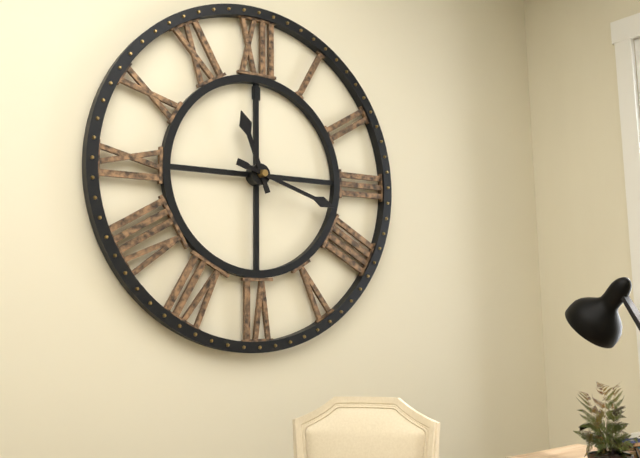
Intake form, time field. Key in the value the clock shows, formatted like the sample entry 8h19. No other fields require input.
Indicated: 11h18
